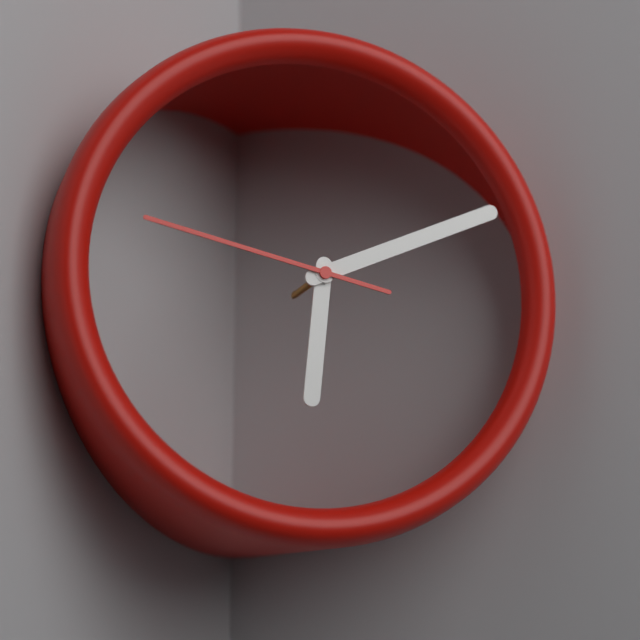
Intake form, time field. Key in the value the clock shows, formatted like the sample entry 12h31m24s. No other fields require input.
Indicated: 6h11m47s
